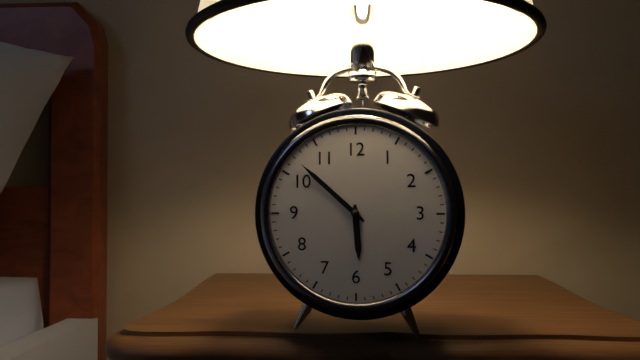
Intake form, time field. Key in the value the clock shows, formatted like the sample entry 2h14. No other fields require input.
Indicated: 5h52
